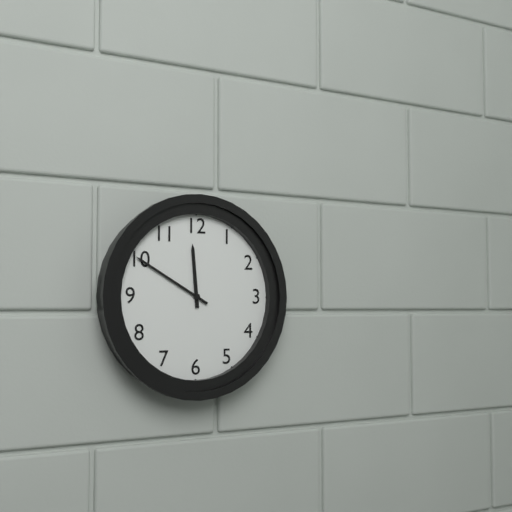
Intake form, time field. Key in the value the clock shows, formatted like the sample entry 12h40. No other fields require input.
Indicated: 11h50
